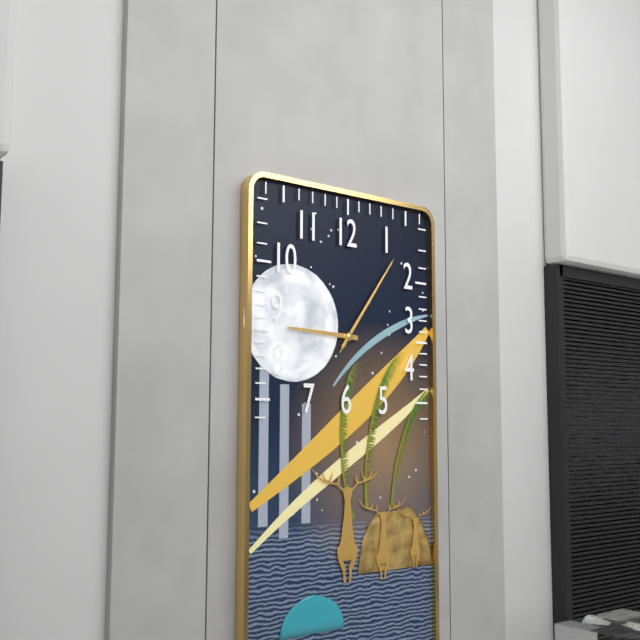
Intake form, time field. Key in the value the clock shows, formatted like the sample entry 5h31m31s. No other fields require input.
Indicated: 9h06m06s
